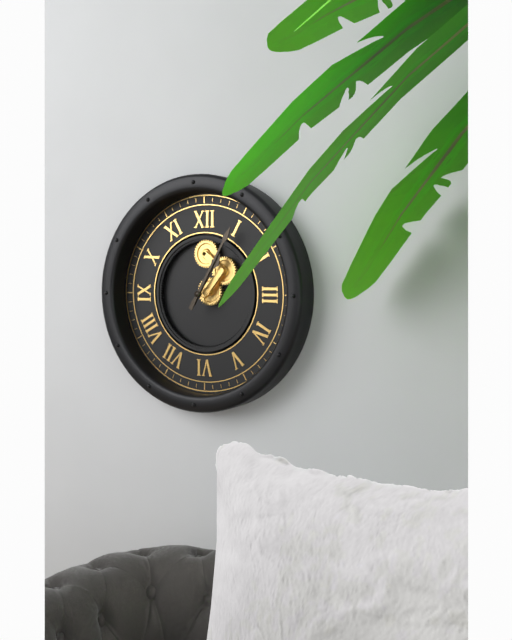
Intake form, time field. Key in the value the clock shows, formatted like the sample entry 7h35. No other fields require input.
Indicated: 1h05
